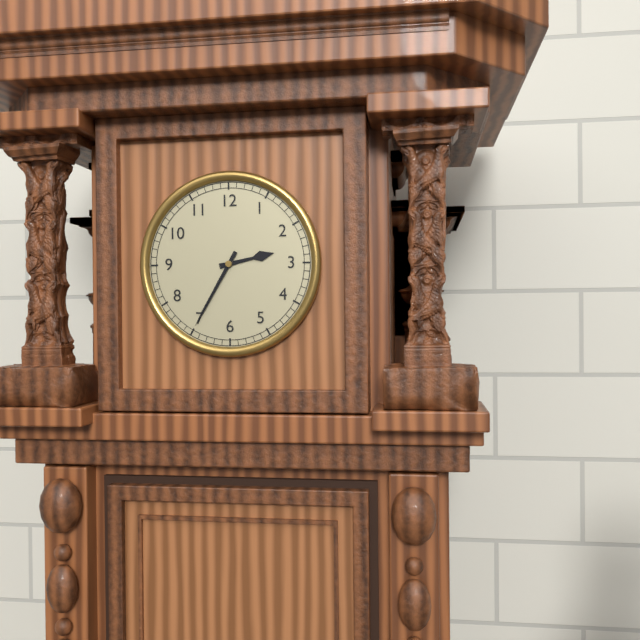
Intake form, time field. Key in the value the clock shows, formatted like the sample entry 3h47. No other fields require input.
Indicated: 2h35
